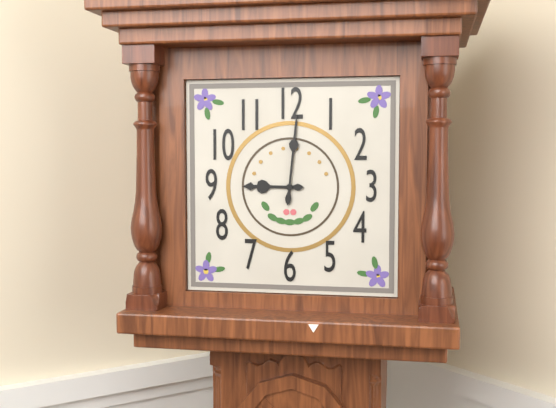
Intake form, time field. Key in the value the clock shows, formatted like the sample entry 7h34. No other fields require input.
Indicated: 9h01
